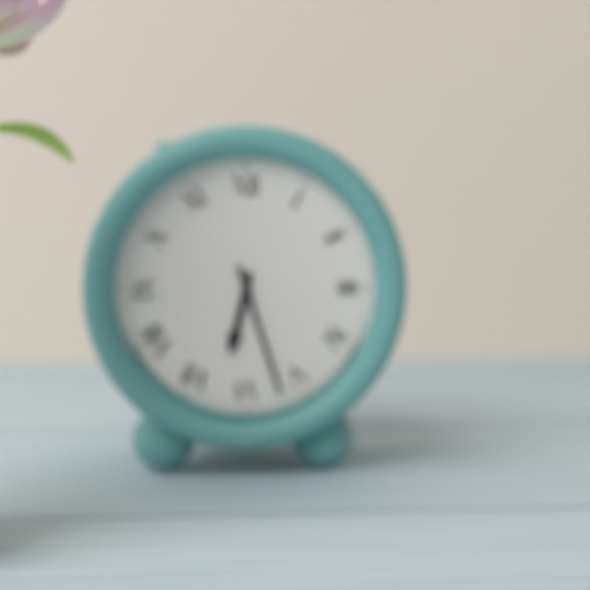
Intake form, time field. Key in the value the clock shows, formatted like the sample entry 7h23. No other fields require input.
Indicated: 6h27
